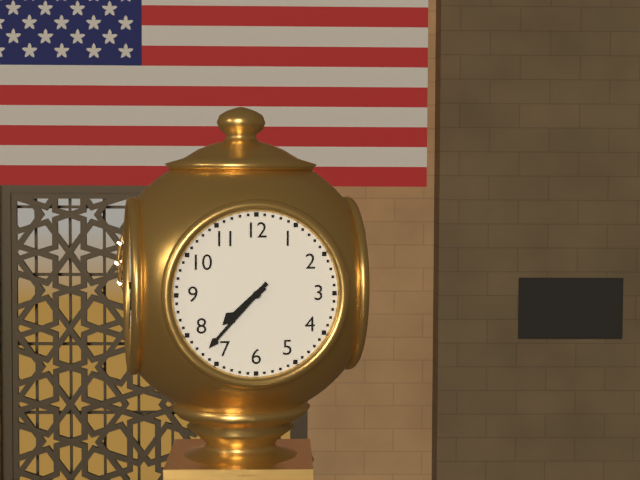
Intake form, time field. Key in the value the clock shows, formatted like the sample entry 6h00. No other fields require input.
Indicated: 7h37
